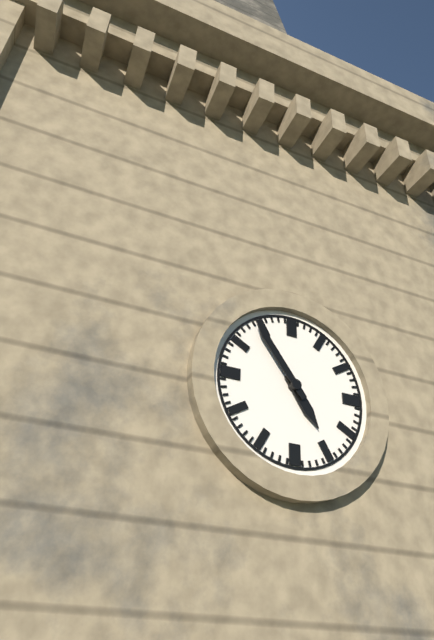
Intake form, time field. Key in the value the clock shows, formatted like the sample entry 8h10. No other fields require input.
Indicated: 4h54
